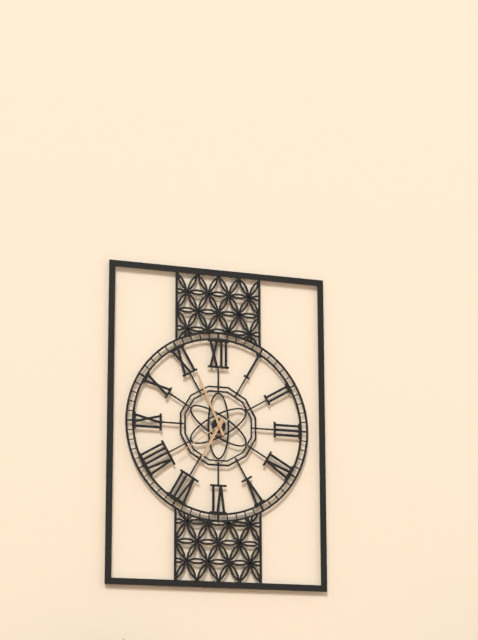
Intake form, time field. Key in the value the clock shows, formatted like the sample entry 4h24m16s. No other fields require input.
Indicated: 6h56m39s
